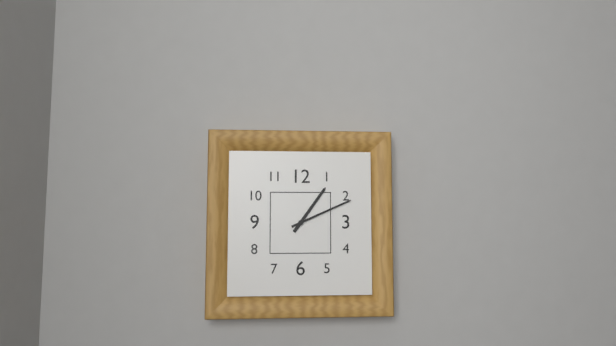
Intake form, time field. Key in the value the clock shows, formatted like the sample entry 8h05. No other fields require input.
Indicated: 1h11
